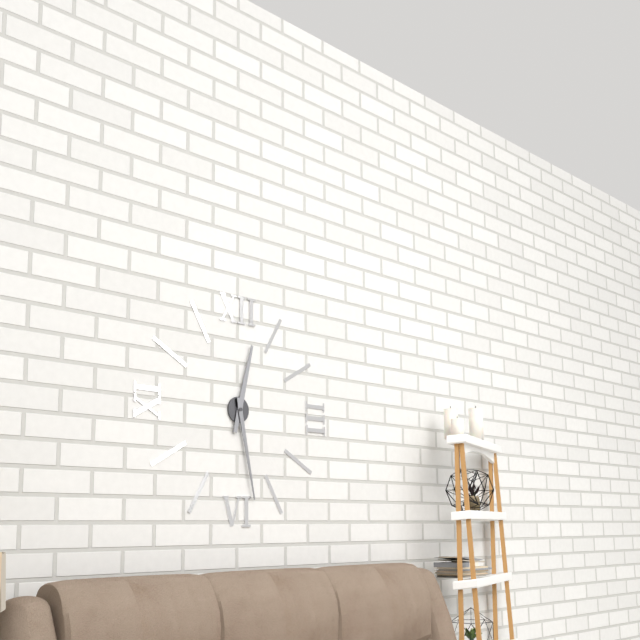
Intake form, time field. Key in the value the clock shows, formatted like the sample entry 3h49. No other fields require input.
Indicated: 12h28
